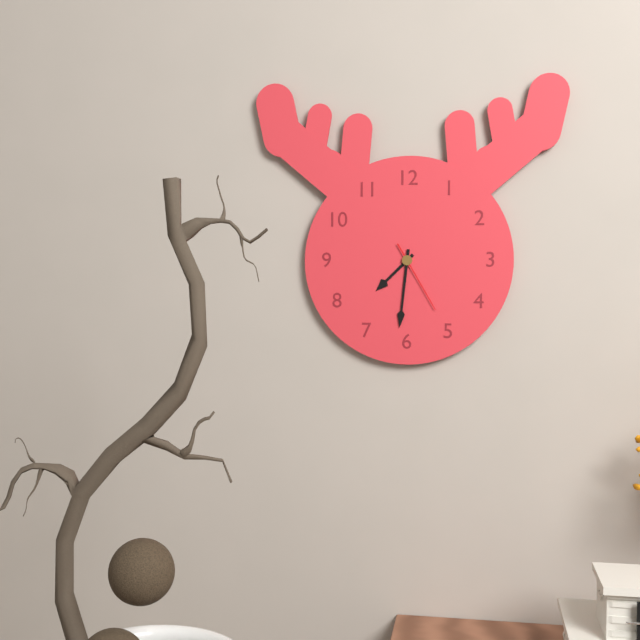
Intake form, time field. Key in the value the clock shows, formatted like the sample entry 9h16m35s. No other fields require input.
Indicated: 7h31m25s
